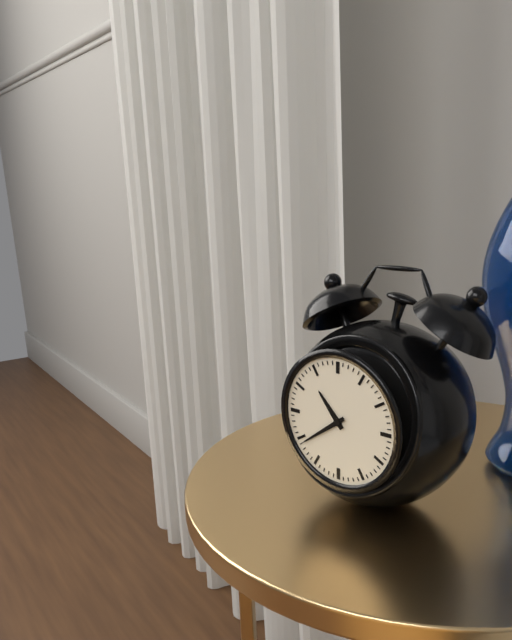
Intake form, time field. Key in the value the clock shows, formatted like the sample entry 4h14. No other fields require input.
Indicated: 10h39
